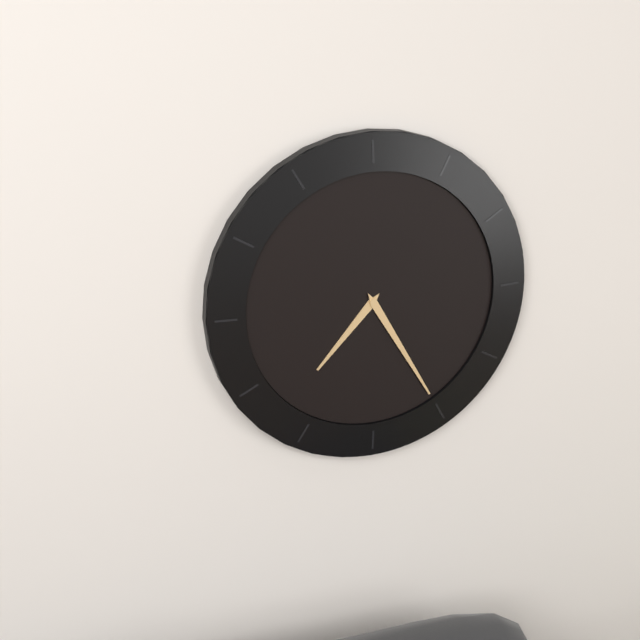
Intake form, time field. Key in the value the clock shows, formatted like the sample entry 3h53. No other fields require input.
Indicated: 7h25
